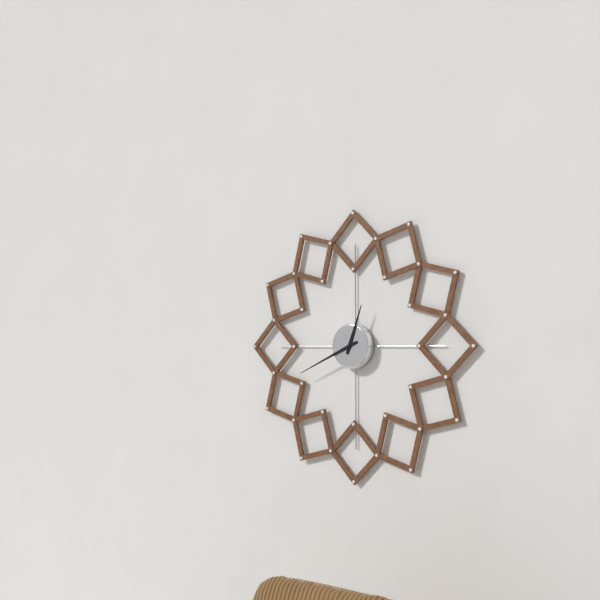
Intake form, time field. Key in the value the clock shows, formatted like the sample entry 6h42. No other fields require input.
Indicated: 12h41
